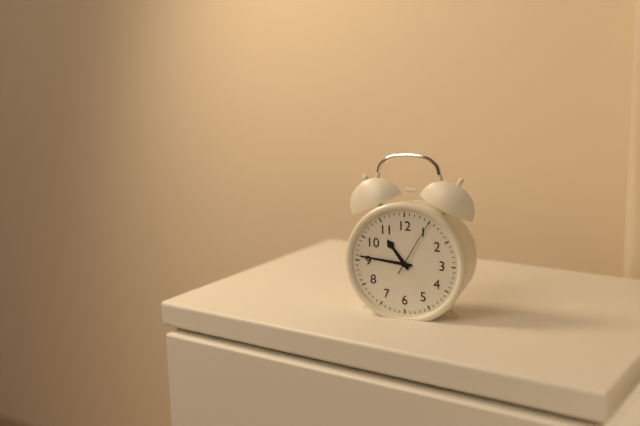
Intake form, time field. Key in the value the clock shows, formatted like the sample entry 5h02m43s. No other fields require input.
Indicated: 10h46m05s
